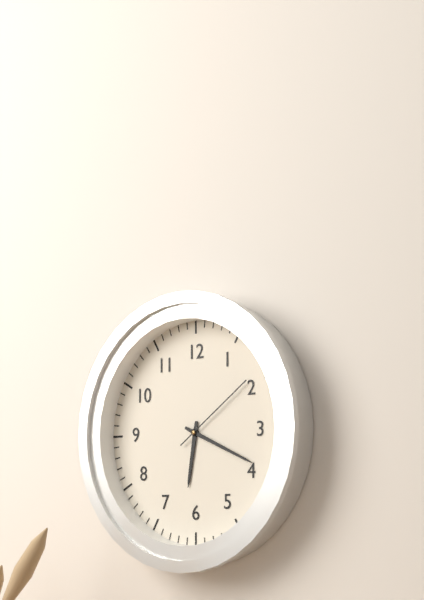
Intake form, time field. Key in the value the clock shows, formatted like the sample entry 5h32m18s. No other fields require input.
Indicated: 6h19m09s
